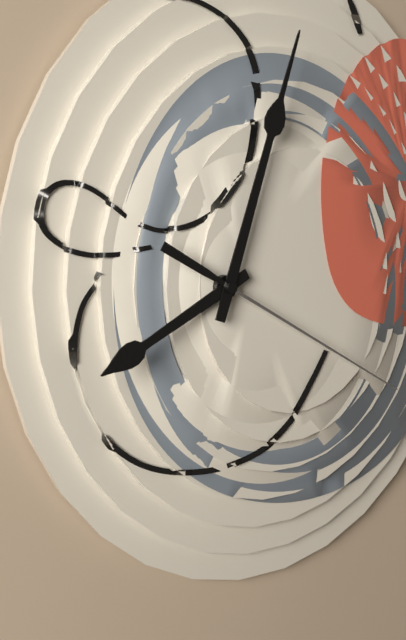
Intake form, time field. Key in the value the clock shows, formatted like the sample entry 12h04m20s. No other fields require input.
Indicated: 8h03m20s
